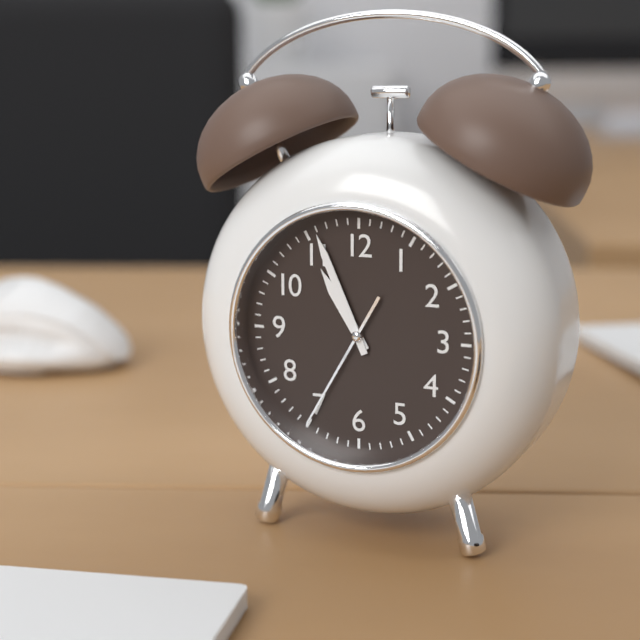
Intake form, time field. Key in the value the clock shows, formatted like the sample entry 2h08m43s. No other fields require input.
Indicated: 10h56m35s
